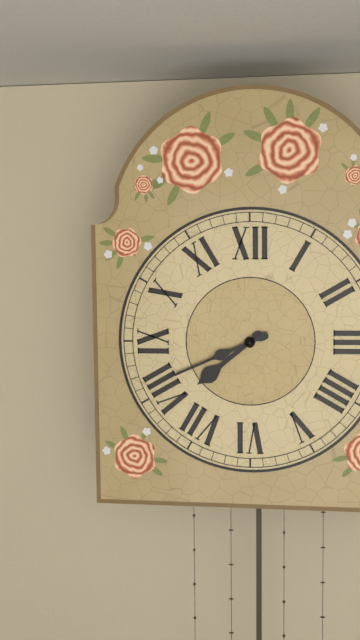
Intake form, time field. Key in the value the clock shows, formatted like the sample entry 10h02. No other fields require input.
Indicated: 7h41
